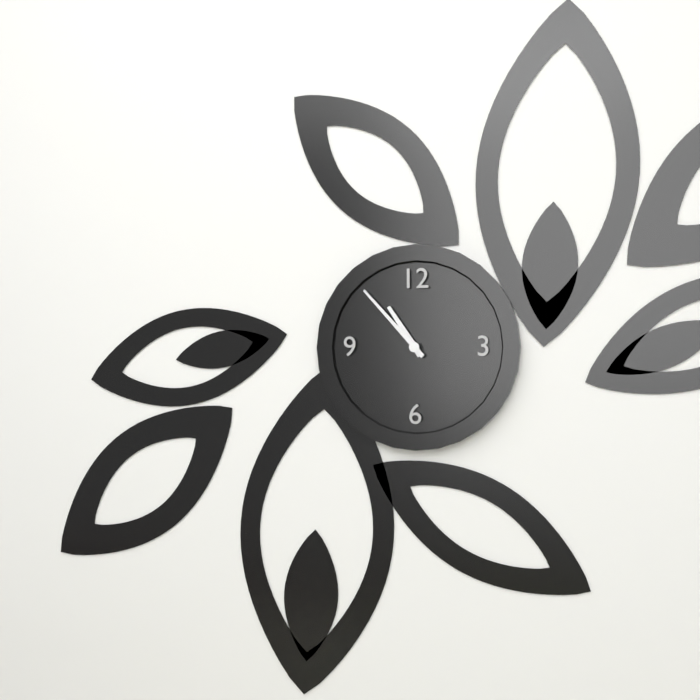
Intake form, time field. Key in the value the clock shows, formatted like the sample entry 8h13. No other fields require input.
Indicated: 10h53
